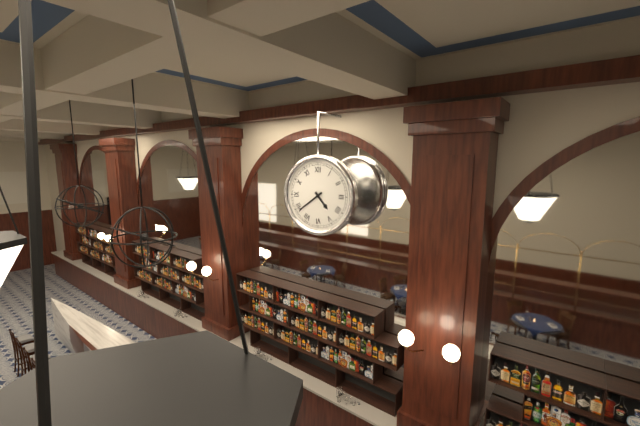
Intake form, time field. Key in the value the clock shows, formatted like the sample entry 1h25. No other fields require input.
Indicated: 4h39
